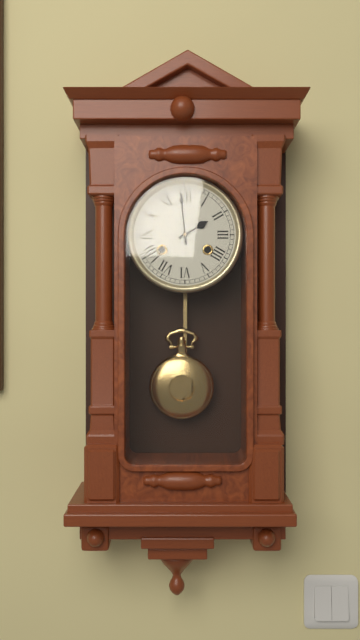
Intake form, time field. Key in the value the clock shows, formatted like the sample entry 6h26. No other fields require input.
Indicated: 1h59
